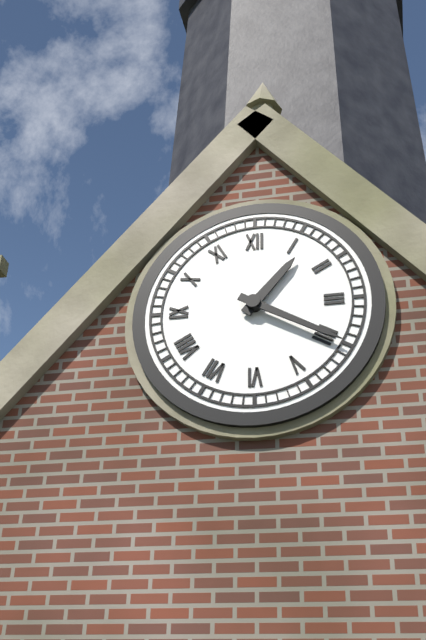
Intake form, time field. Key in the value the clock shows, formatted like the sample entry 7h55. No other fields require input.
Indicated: 1h20
